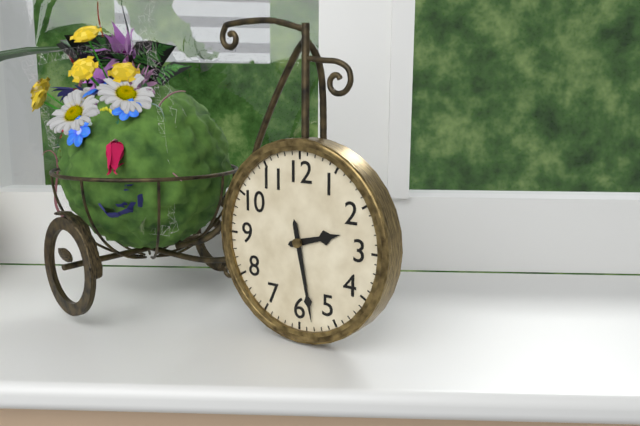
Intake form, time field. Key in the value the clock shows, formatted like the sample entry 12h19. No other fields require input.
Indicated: 2h28
